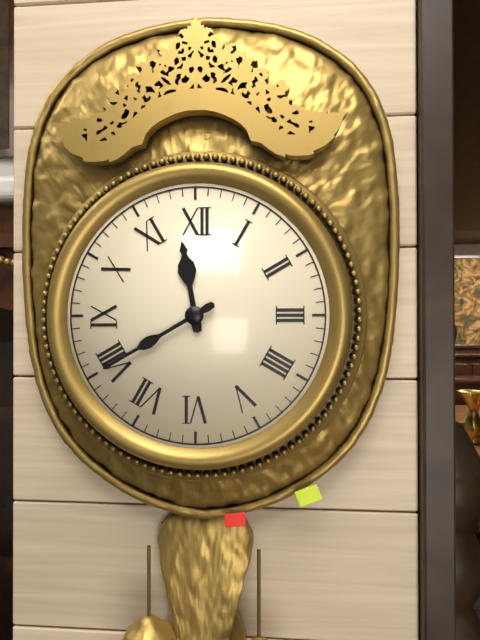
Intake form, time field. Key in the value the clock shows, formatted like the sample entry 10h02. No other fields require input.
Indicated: 11h40
